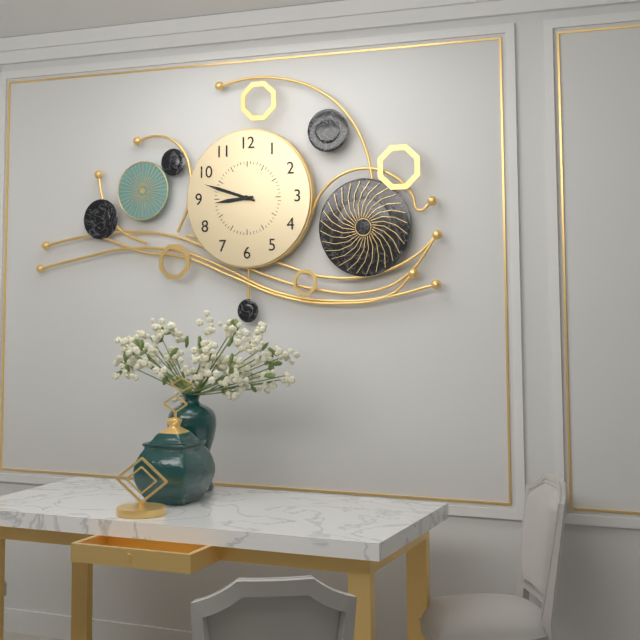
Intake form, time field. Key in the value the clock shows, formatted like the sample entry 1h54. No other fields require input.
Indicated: 8h48
